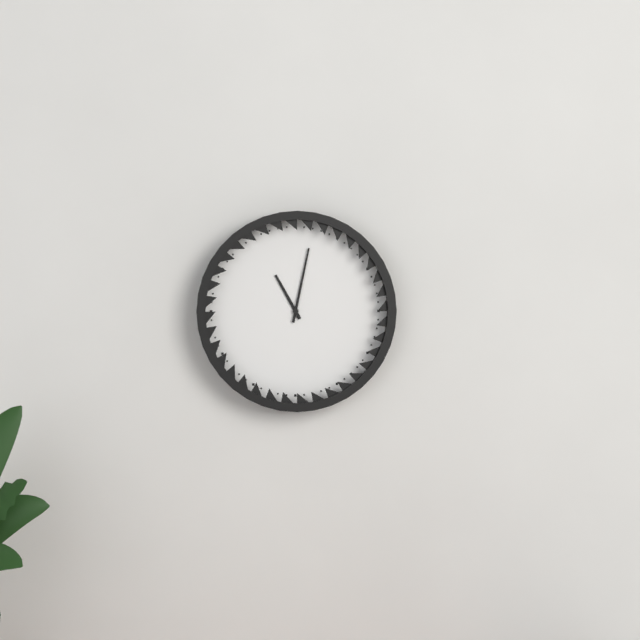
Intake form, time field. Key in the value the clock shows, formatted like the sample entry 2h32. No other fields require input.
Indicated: 11h02
